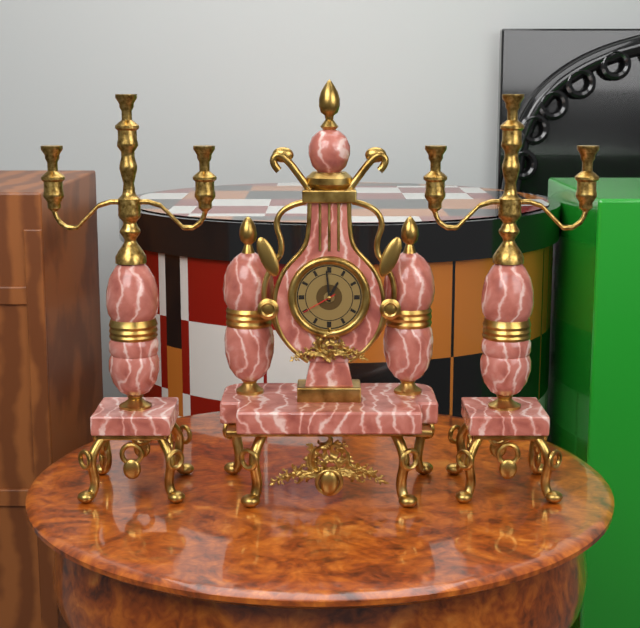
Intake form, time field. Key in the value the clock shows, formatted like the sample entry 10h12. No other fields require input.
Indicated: 12h59
